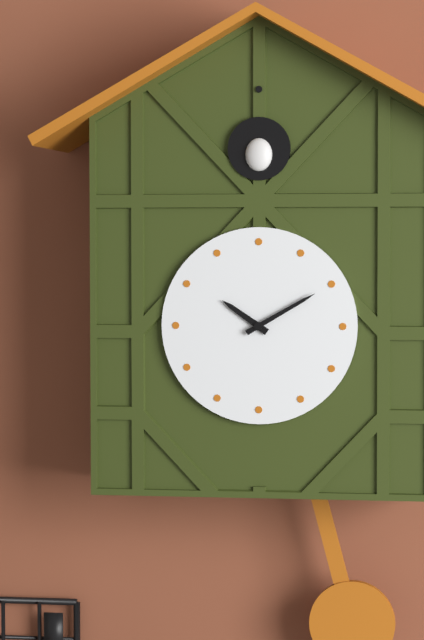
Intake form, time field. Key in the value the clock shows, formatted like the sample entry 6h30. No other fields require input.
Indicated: 10h10
